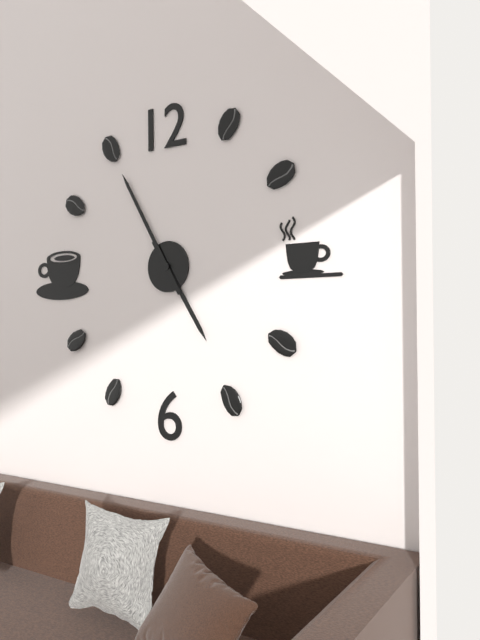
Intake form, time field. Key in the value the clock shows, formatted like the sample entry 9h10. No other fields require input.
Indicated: 4h55
